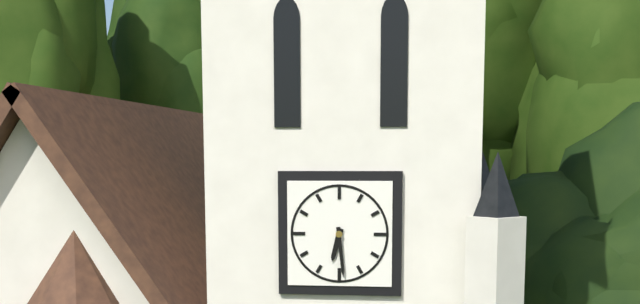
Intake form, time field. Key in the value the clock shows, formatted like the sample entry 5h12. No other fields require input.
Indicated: 6h29
